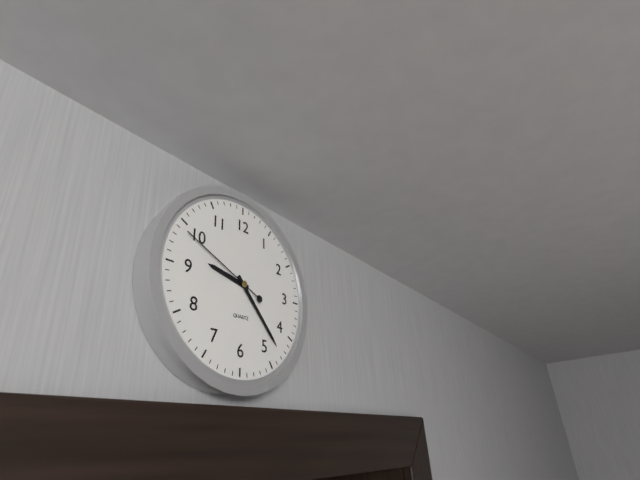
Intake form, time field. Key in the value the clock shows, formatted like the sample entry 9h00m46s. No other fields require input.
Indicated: 9h23m49s
